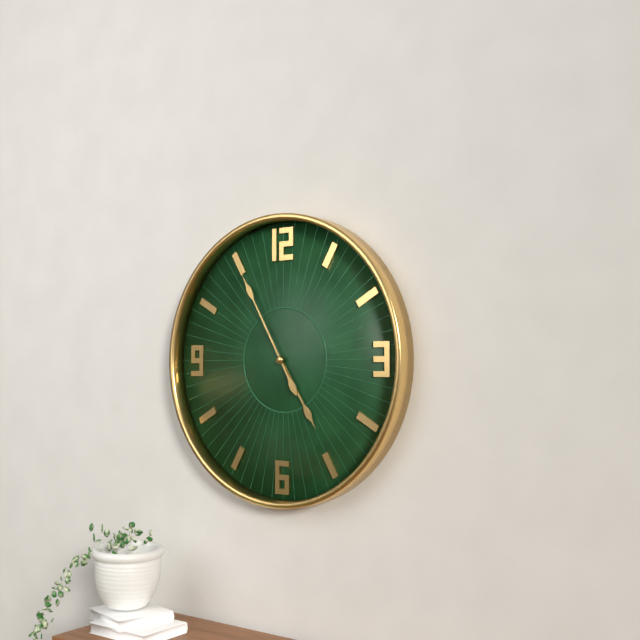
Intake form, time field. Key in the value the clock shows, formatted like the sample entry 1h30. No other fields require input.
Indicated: 4h55
